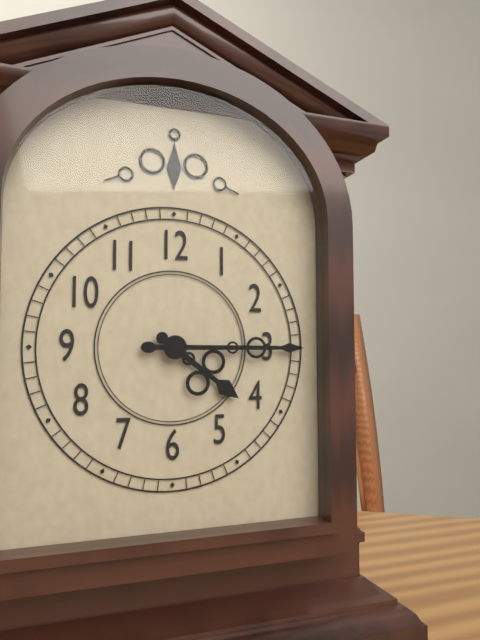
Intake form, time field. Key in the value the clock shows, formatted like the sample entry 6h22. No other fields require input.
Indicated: 4h15
